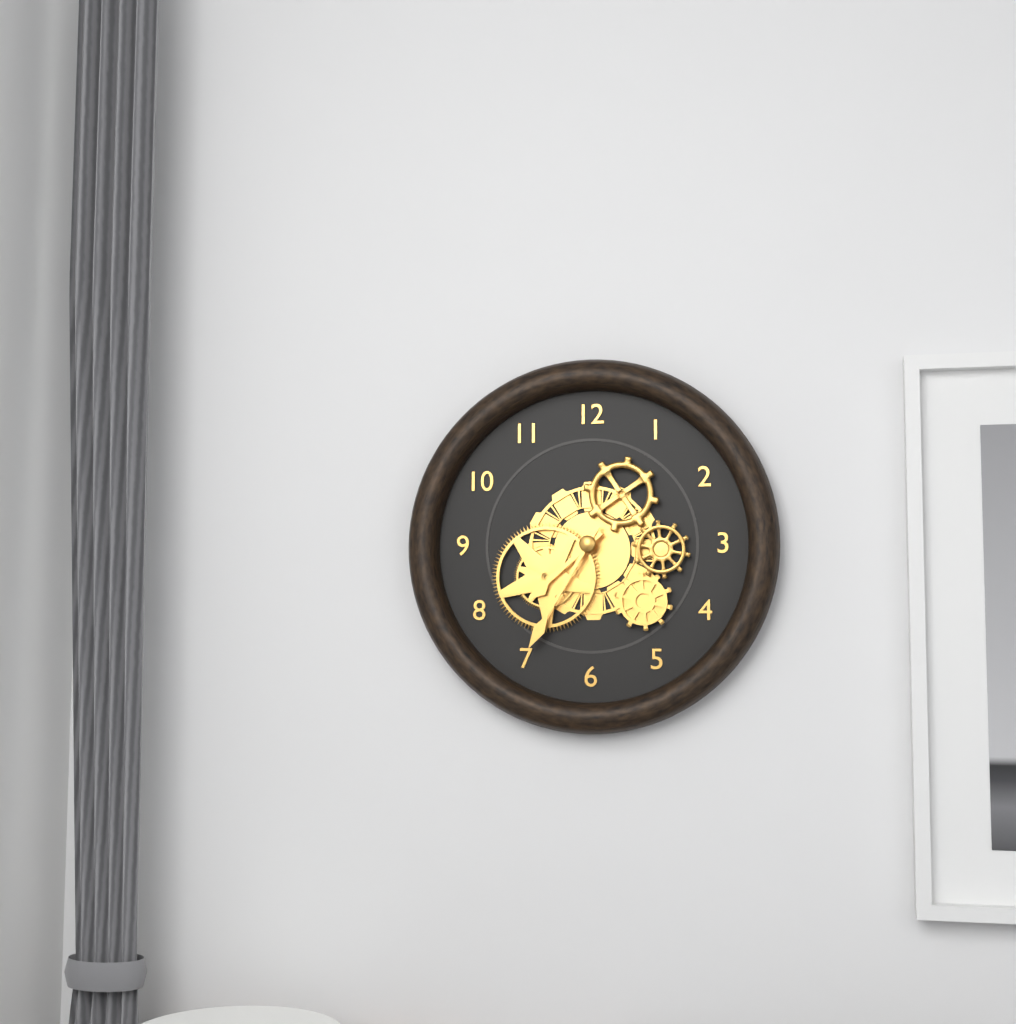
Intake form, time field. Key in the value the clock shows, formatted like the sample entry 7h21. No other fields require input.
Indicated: 7h35
